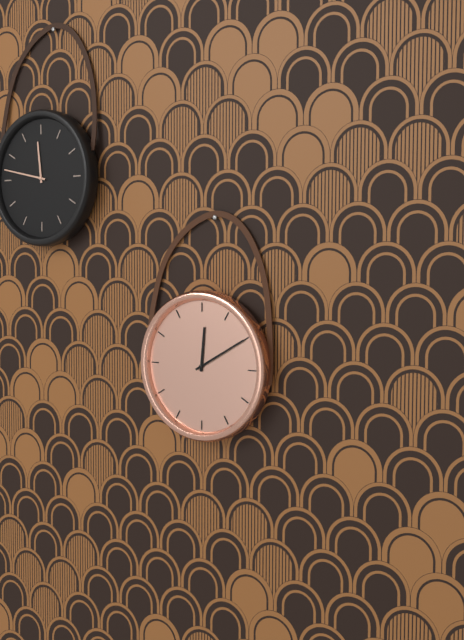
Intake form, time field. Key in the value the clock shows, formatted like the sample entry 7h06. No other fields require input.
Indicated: 12h10
